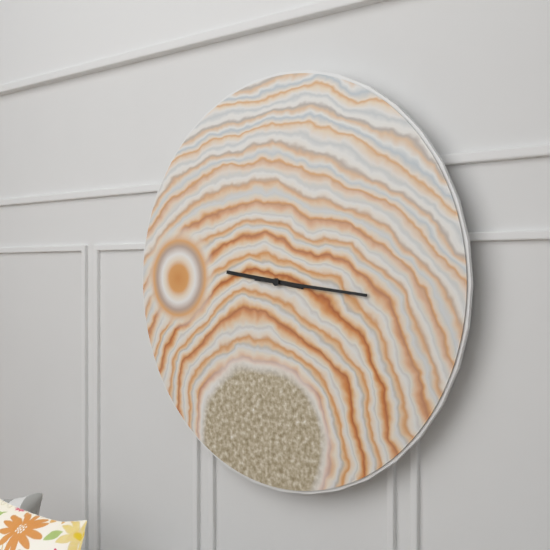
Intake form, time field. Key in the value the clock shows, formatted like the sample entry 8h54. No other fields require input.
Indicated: 9h16
